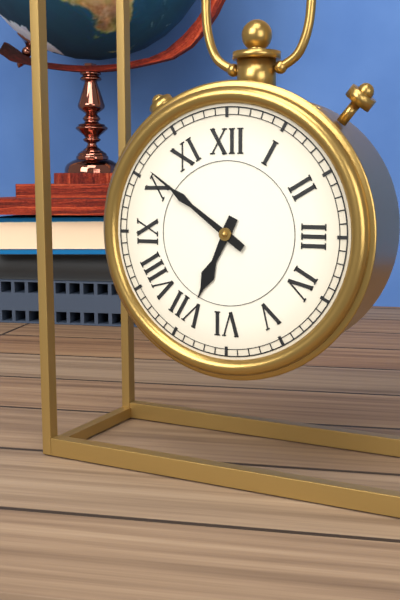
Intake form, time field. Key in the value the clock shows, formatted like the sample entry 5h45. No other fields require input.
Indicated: 6h51
